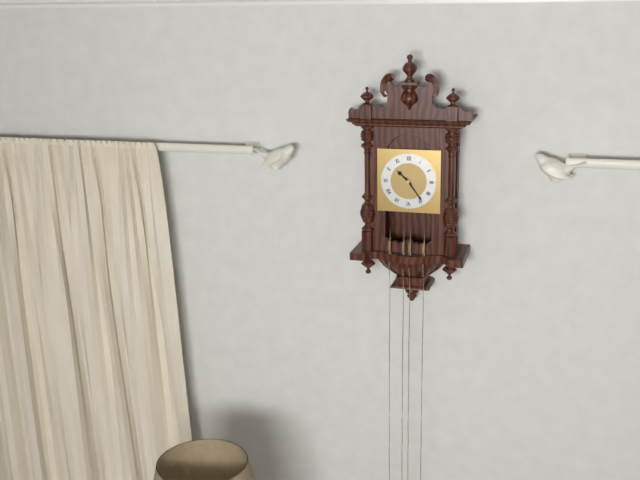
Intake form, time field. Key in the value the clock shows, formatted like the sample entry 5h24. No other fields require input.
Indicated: 10h24
